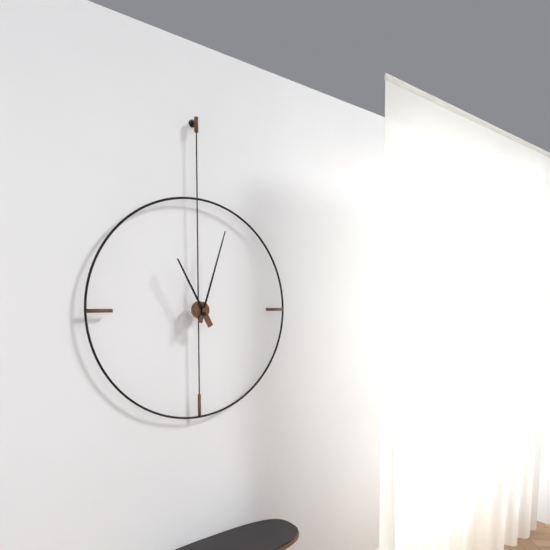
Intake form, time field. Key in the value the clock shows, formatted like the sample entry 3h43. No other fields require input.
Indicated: 11h03
